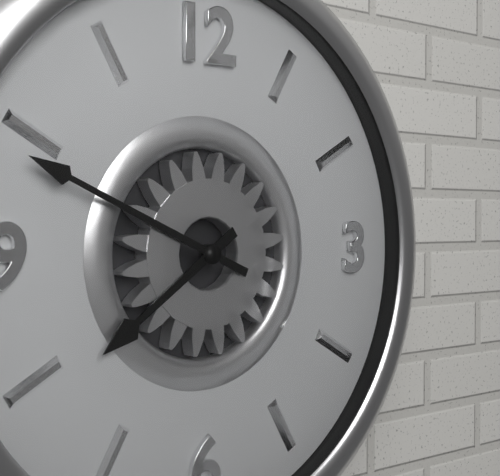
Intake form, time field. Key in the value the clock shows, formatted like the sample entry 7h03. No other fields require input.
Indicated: 7h49
